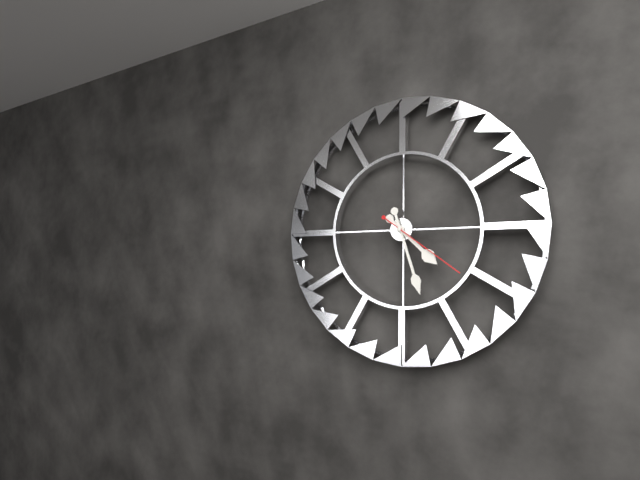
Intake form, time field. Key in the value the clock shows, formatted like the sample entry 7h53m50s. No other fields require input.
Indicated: 4h27m21s
